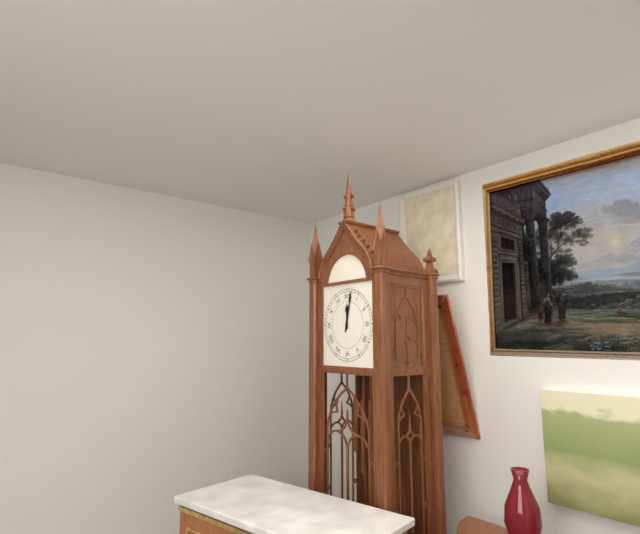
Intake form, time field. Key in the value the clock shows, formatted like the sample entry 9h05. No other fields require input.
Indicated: 12h02
